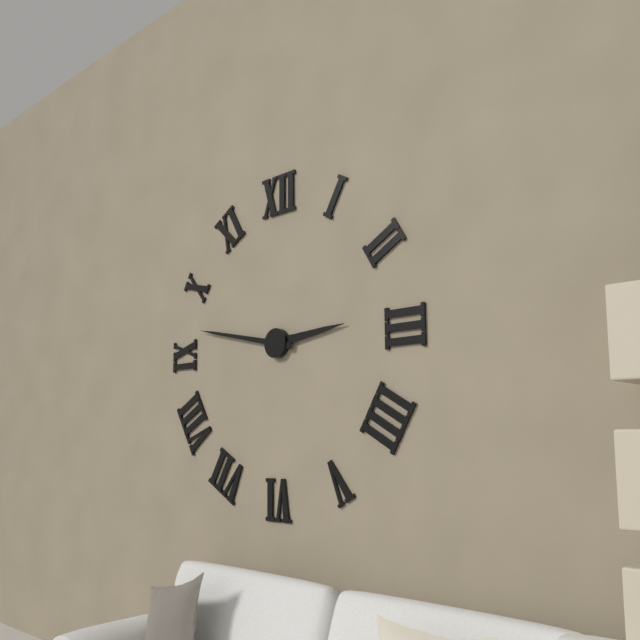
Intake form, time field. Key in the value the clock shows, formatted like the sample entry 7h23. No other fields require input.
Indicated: 2h47
